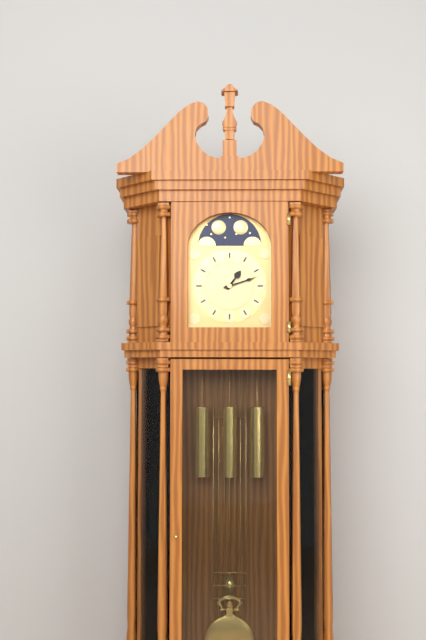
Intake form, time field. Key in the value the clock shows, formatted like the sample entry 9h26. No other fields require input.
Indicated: 1h12
